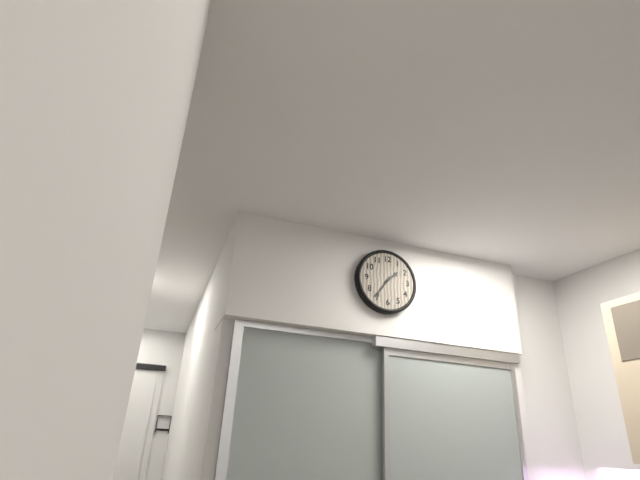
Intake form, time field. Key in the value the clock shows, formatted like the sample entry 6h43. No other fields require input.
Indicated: 1h36
